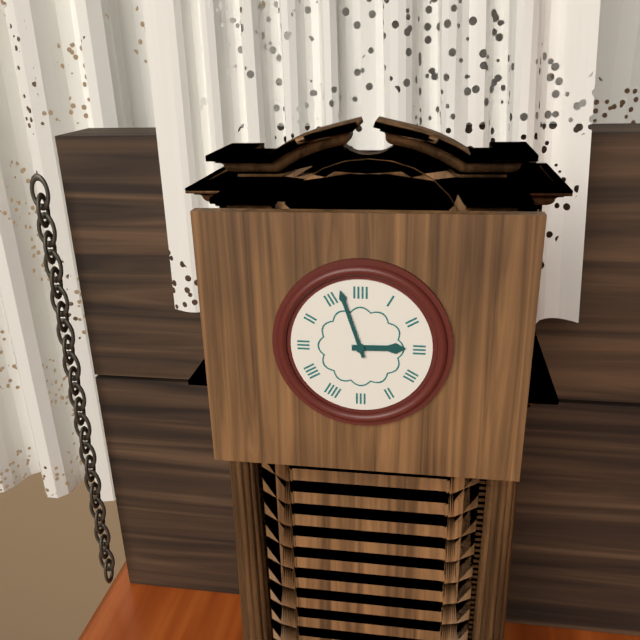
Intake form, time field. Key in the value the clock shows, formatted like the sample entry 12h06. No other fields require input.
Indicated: 2h57
